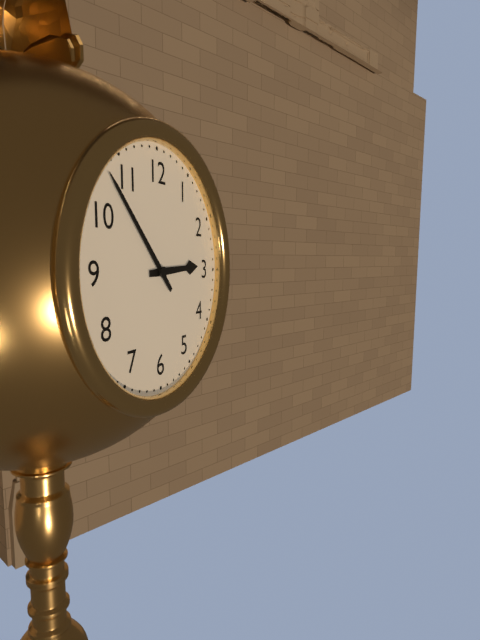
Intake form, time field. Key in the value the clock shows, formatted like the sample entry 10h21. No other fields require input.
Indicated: 2h53
